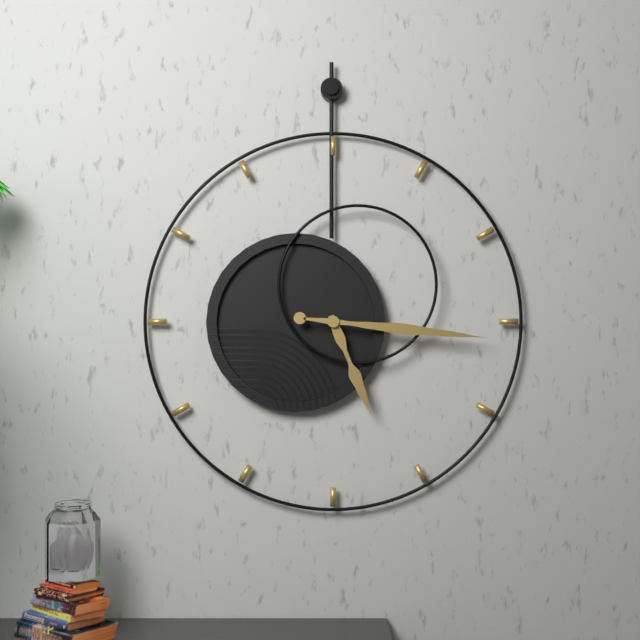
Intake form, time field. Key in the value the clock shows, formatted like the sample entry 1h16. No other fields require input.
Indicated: 5h16
